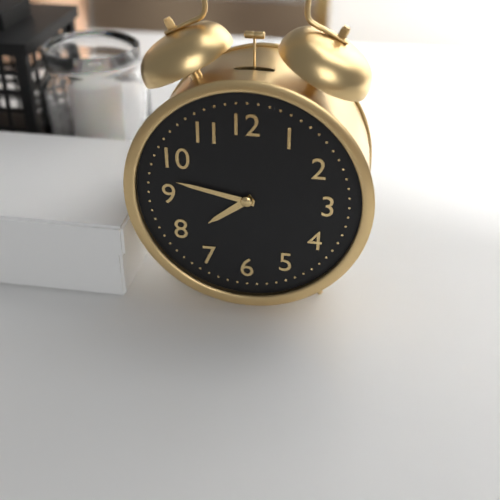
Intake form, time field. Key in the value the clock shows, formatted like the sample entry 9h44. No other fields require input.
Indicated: 7h47
